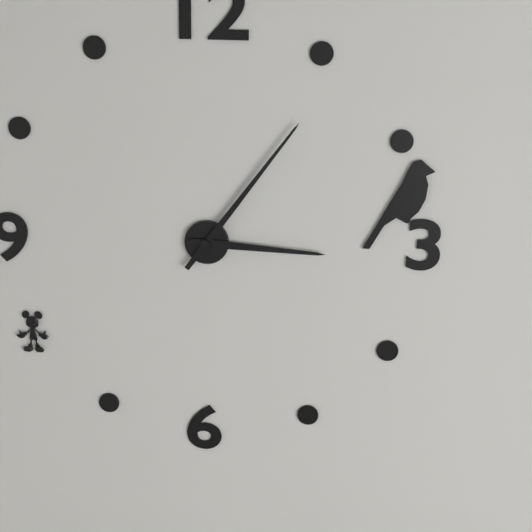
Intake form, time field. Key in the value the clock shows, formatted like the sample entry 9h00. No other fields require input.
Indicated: 3h06
